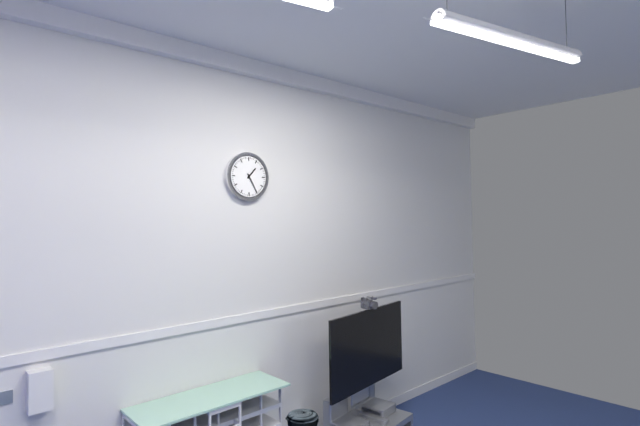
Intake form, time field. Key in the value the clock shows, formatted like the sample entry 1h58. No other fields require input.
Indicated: 1h25
